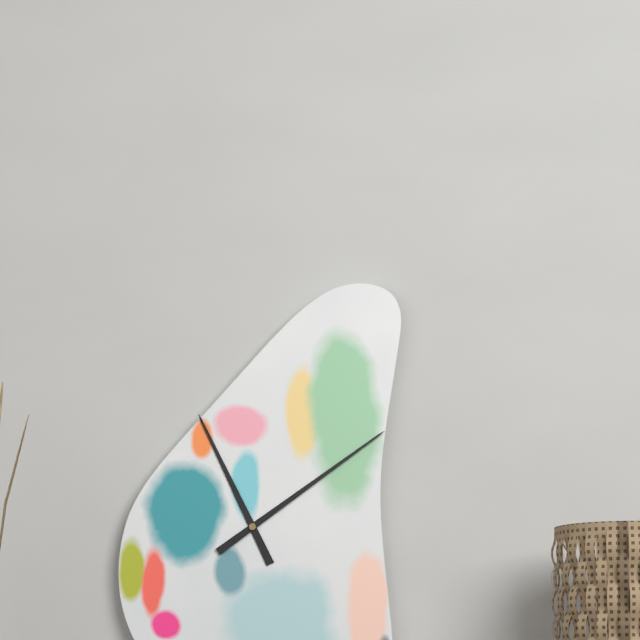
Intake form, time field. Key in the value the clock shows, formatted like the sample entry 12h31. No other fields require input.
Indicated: 11h09
